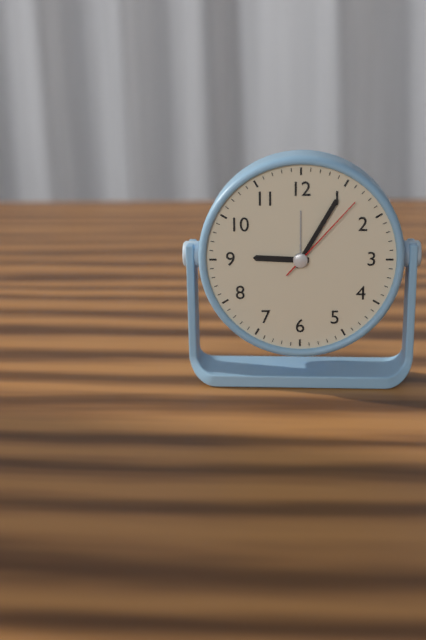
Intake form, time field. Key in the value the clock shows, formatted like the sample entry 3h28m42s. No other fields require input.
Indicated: 9h05m07s
